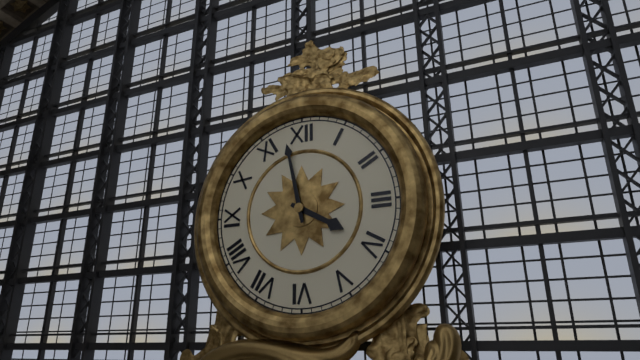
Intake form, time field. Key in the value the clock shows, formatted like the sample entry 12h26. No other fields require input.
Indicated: 3h58
